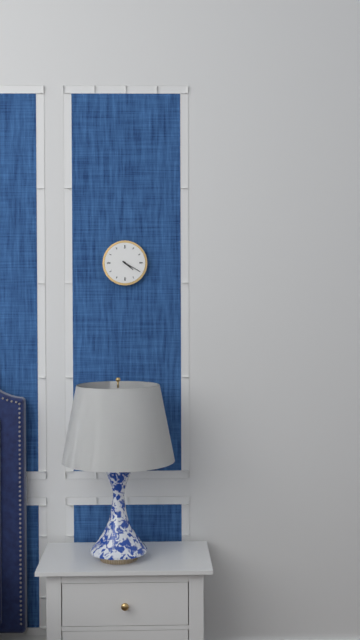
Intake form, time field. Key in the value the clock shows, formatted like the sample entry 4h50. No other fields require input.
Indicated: 4h20
